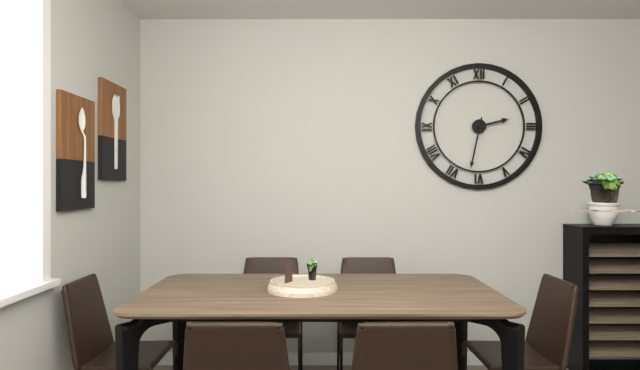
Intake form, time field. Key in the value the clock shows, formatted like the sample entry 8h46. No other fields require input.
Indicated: 2h32
